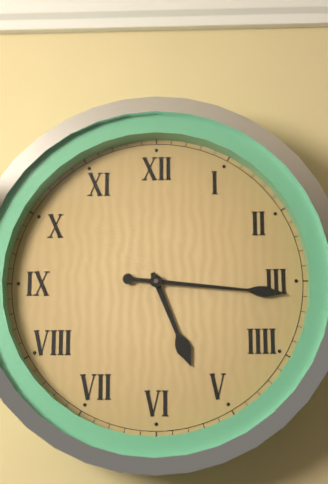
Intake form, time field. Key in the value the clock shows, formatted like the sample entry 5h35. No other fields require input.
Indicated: 5h16
